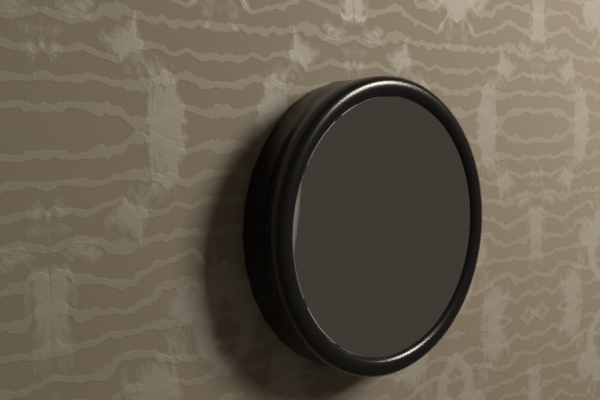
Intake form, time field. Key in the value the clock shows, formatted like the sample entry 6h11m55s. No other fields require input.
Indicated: 1h26m51s
